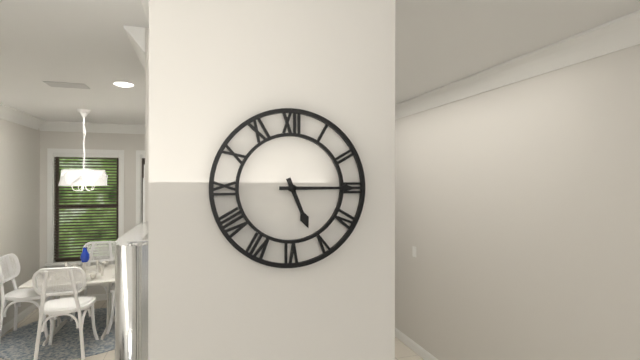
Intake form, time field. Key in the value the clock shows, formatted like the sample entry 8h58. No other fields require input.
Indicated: 5h15
